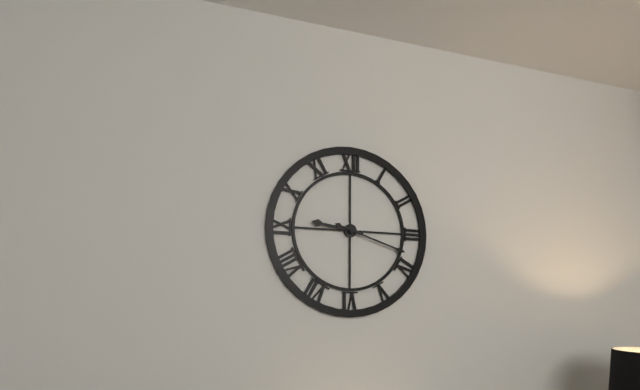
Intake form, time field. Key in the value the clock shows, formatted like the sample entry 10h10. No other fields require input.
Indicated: 9h18
